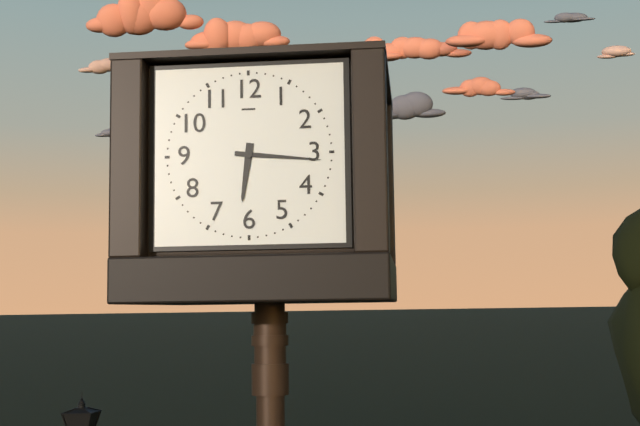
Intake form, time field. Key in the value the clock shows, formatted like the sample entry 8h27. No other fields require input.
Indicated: 6h16
